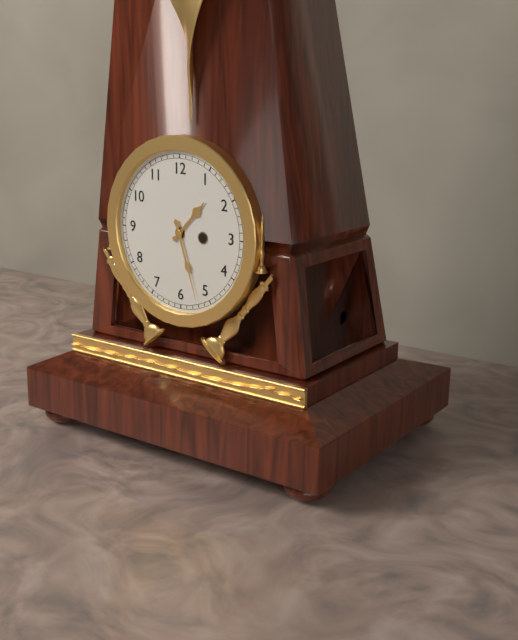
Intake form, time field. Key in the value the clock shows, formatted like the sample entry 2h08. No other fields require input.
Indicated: 1h27
